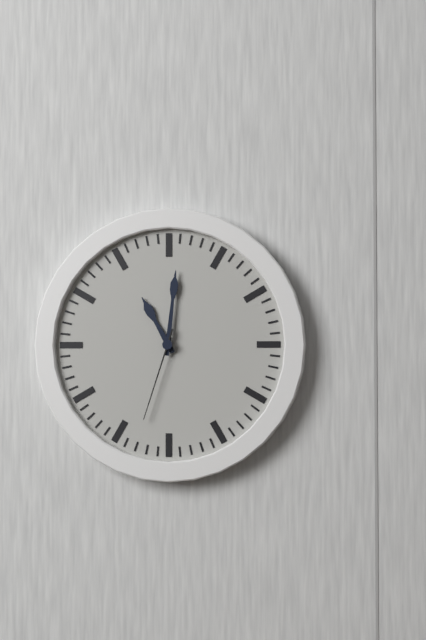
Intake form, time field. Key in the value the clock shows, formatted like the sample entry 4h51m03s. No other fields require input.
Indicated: 11h01m33s
